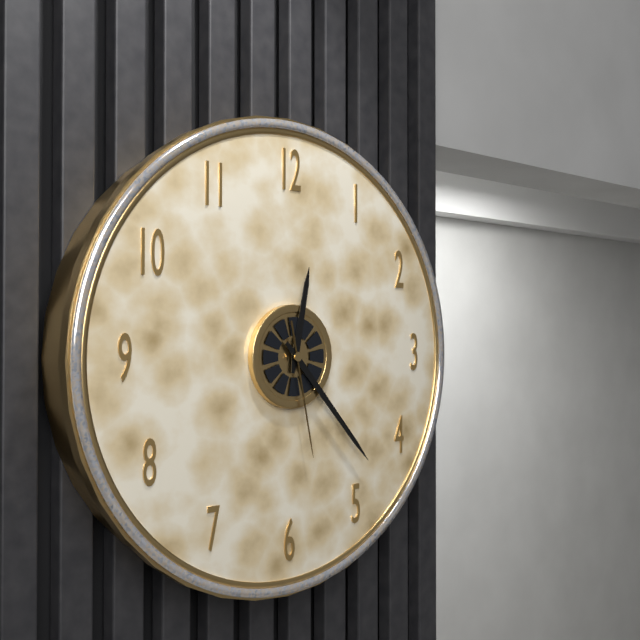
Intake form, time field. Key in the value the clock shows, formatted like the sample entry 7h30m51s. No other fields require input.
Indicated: 12h23m28s
